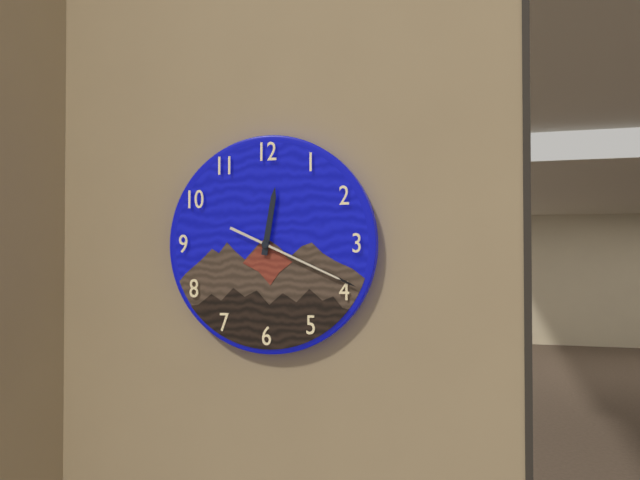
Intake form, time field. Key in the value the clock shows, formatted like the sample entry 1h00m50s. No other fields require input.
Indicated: 12h19m19s
